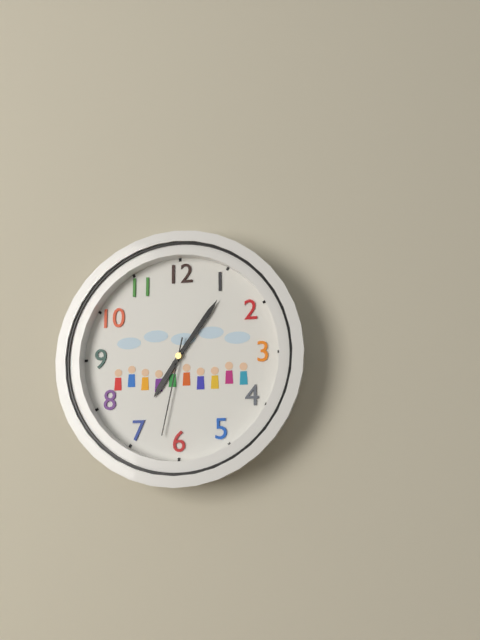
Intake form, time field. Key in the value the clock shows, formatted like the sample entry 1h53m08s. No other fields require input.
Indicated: 7h06m32s
